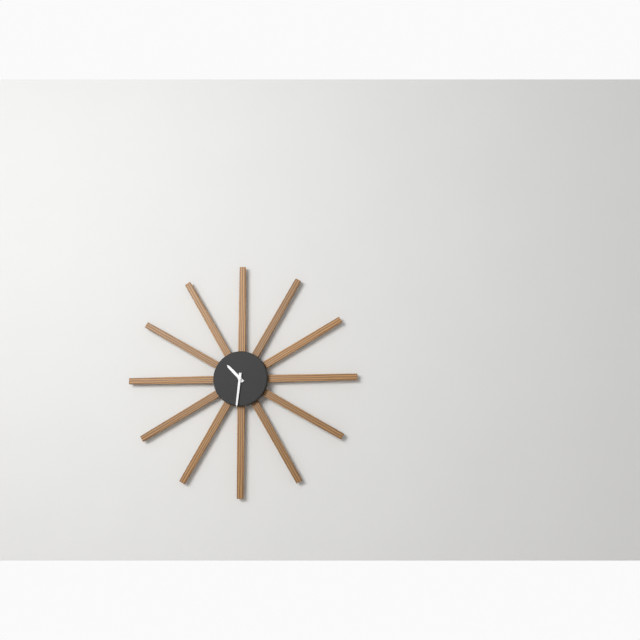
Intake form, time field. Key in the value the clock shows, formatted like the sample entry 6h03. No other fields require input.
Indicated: 10h31
